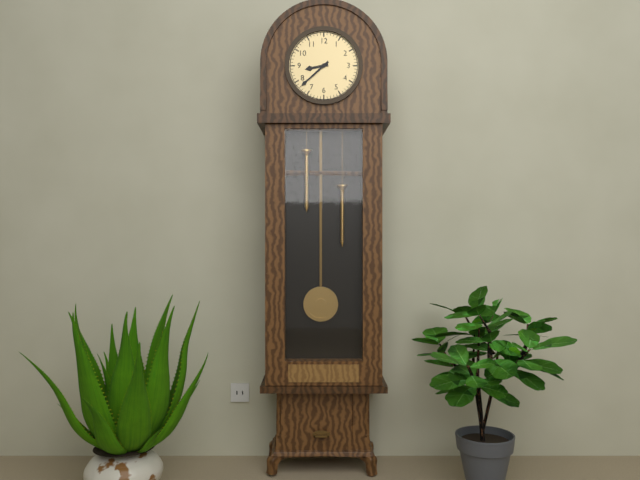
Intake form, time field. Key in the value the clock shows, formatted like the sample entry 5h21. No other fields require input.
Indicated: 8h38
